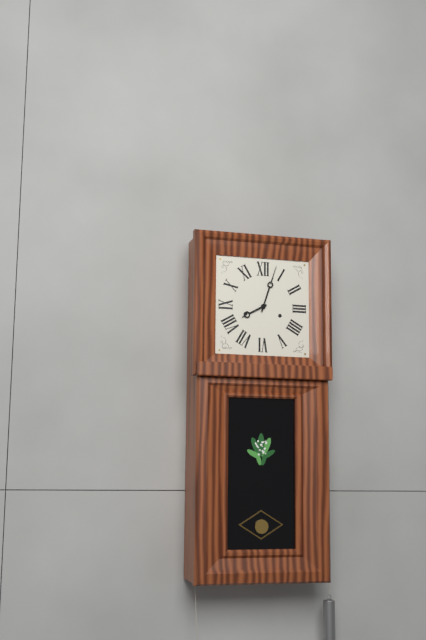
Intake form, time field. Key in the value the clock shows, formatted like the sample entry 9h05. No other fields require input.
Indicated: 8h03
